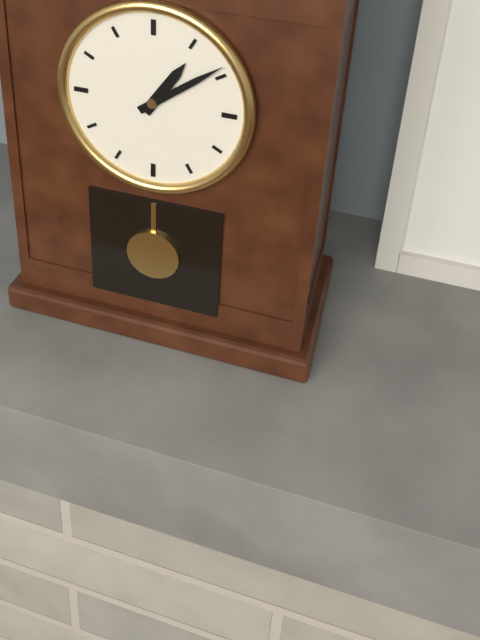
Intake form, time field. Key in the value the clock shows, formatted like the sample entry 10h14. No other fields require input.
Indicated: 1h09
